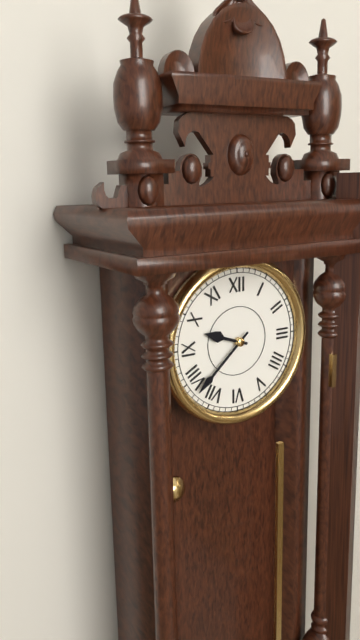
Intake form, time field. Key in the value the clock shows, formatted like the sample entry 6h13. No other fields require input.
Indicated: 9h38
